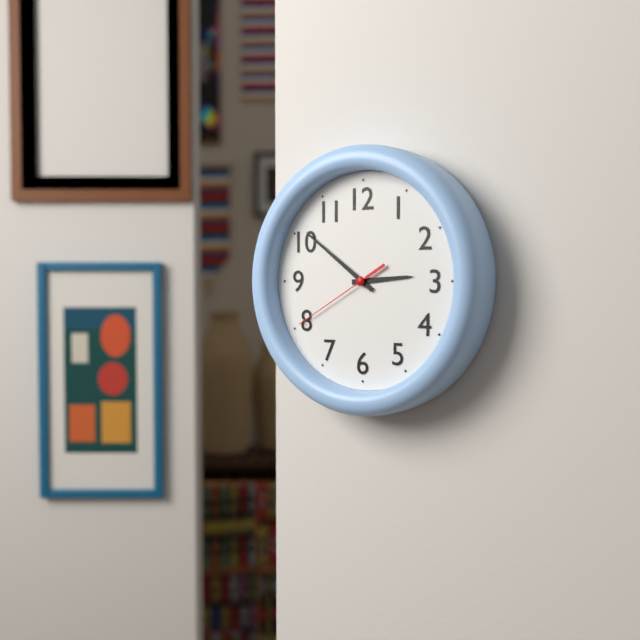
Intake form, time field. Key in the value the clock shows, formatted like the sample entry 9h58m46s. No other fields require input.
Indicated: 2h51m40s
